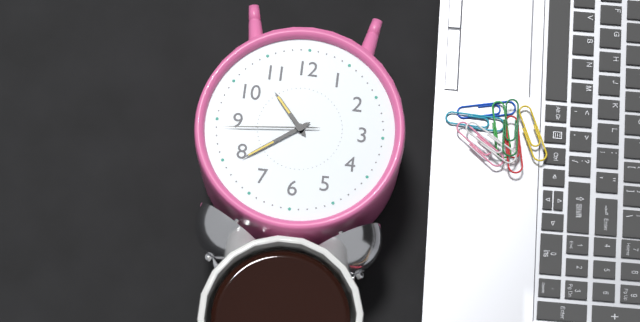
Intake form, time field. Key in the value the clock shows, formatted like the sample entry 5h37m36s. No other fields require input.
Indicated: 10h39m44s
